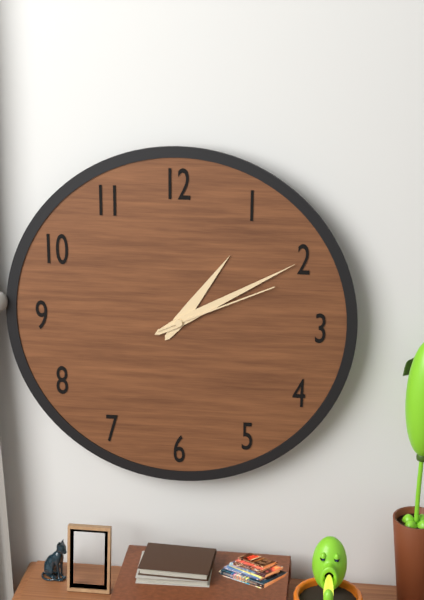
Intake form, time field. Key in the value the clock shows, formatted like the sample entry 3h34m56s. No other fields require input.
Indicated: 1h10m11s
